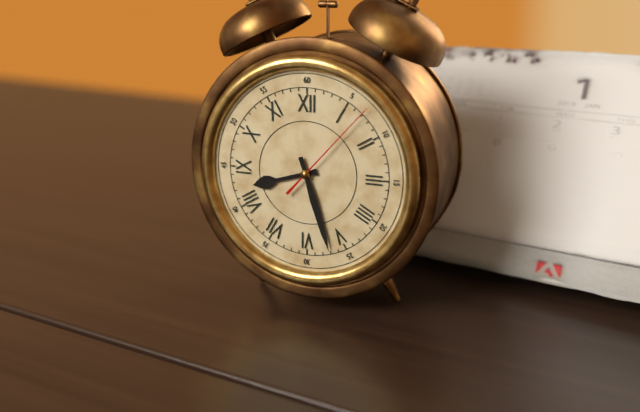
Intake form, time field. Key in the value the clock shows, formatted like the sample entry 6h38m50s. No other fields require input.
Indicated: 8h27m07s
